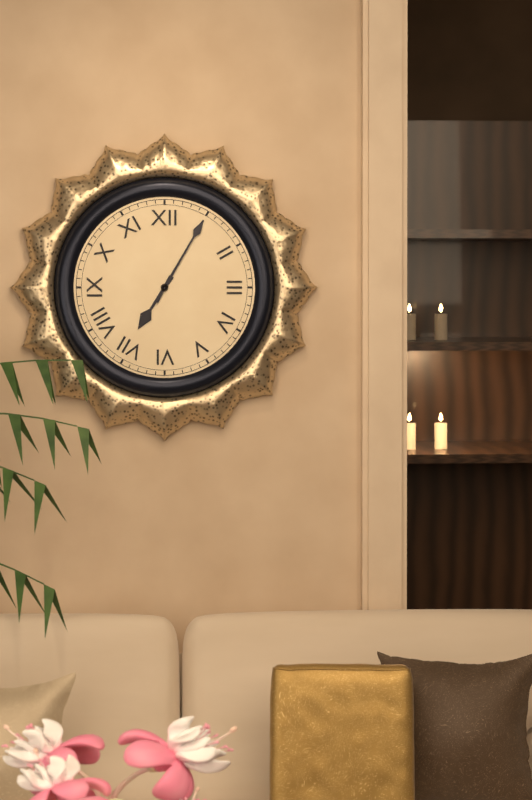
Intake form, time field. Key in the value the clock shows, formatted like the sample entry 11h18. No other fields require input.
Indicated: 7h05
